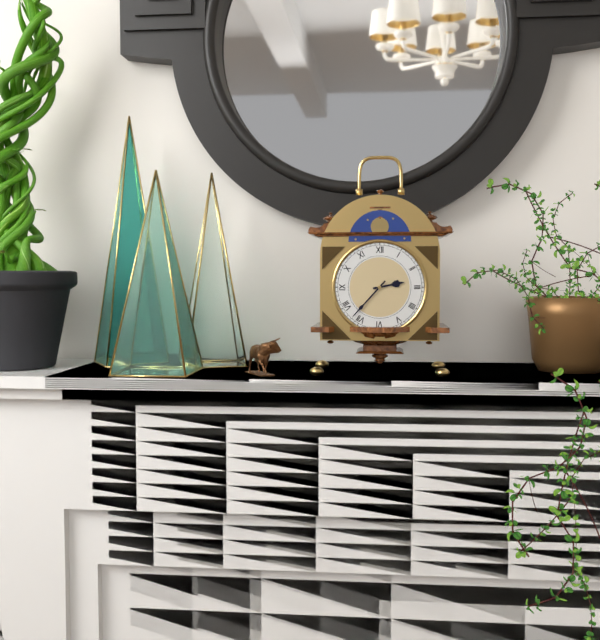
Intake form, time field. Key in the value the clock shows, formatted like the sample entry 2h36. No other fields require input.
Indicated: 2h37
